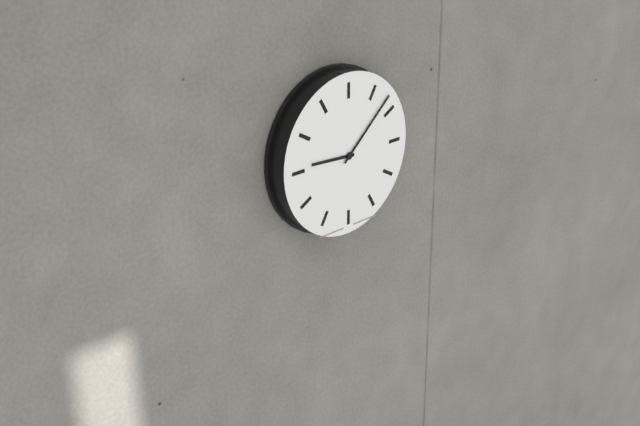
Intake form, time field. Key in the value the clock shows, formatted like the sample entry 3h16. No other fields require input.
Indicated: 9h08
